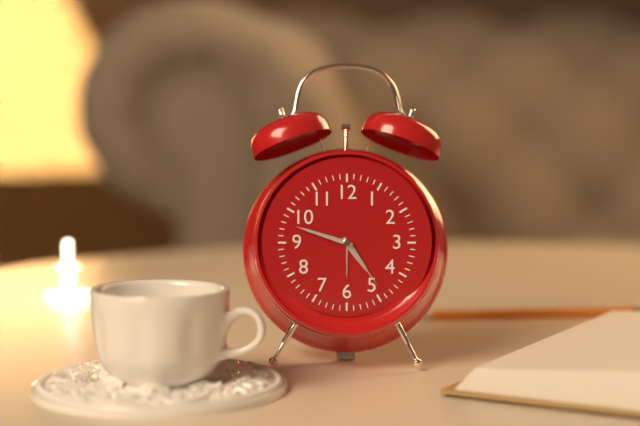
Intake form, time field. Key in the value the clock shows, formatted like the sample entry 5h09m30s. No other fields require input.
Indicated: 4h48m24s
